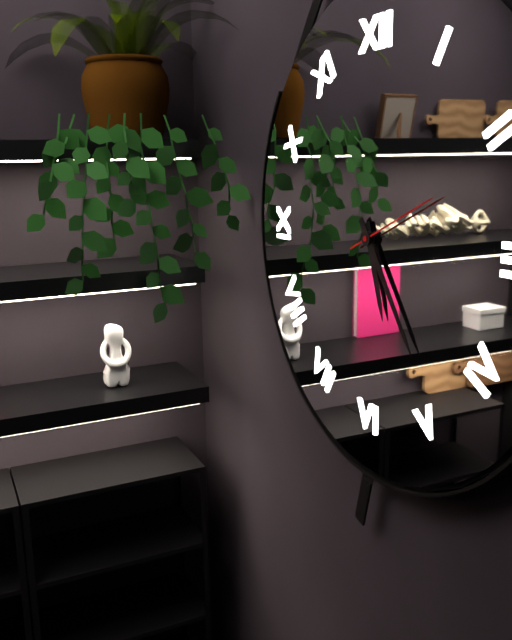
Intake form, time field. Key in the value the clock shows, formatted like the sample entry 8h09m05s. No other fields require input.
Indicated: 5h24m11s
